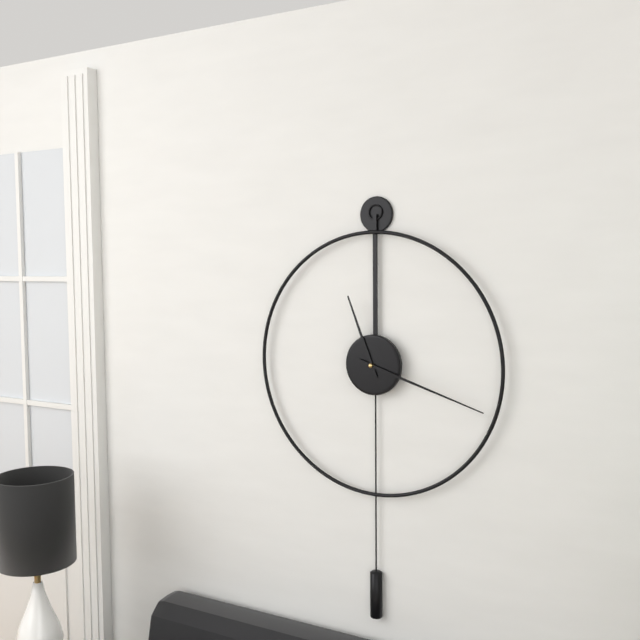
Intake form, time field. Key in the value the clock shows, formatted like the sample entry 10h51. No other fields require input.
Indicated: 11h18
